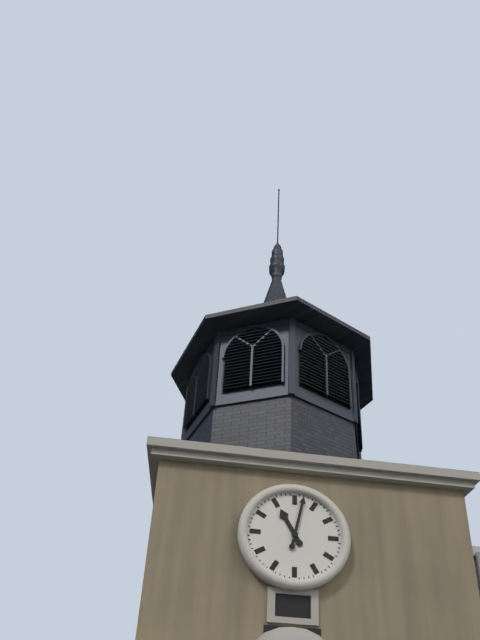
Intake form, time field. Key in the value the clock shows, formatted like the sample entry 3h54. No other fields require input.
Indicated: 11h02
